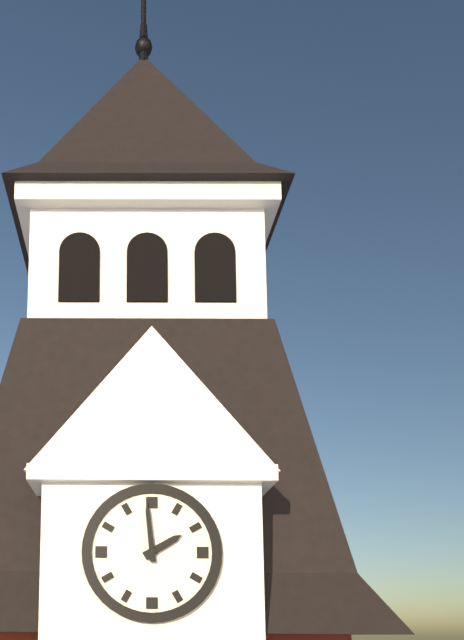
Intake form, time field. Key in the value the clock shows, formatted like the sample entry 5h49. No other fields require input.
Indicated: 1h59
